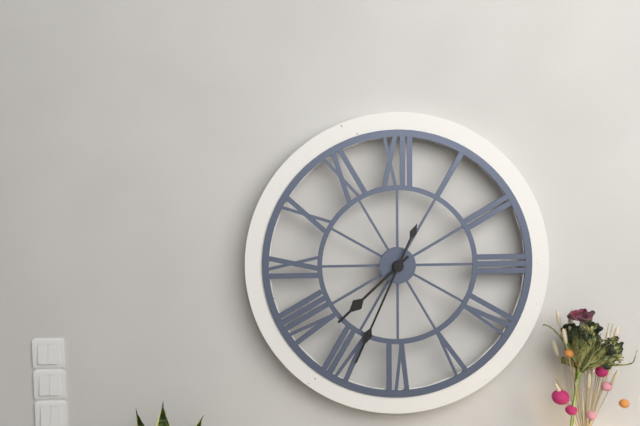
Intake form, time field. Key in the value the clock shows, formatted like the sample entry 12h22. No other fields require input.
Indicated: 7h34
